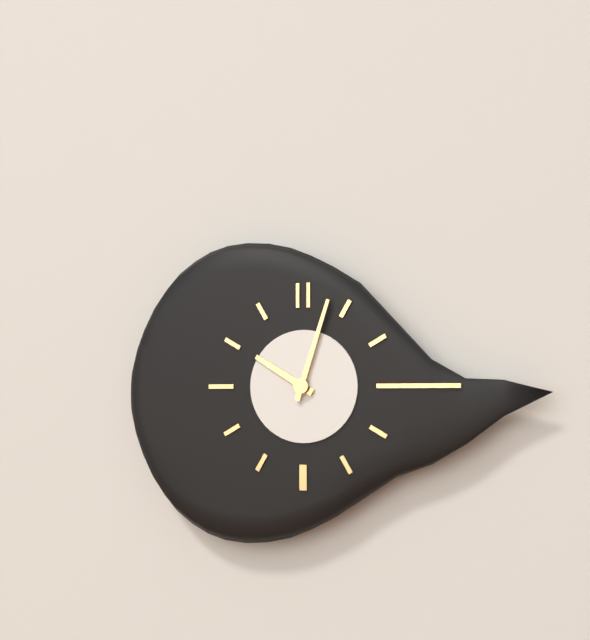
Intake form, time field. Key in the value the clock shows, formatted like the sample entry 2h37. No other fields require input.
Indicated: 10h03
